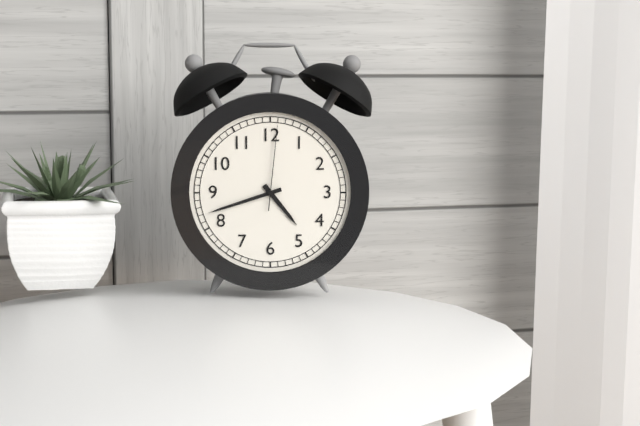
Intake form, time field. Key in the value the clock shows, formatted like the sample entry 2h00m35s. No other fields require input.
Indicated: 4h42m01s
